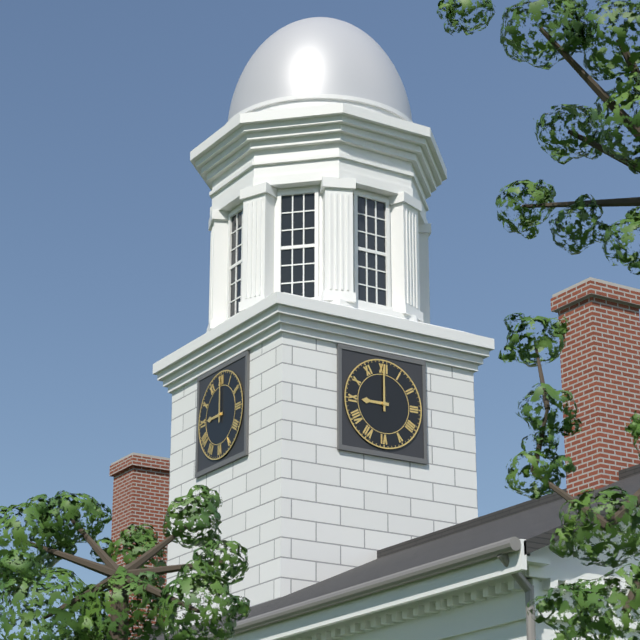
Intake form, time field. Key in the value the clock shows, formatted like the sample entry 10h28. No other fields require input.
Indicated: 9h00
